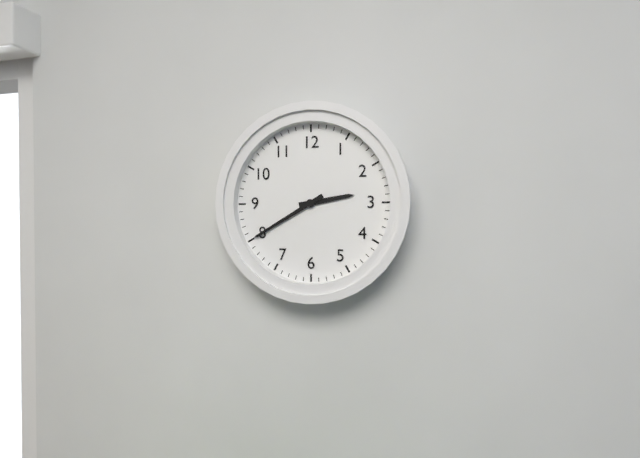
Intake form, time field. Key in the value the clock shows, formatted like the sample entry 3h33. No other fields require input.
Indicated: 2h40
